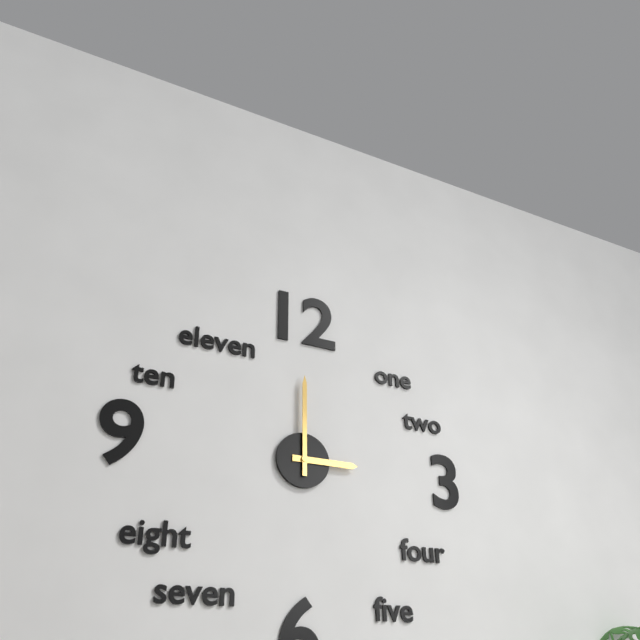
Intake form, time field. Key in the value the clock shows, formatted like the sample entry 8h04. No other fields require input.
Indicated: 3h00
